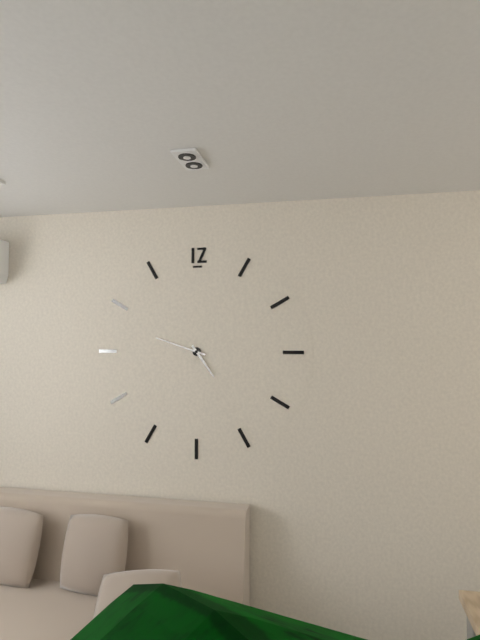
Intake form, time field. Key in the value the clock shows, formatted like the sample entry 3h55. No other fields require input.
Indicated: 4h48
